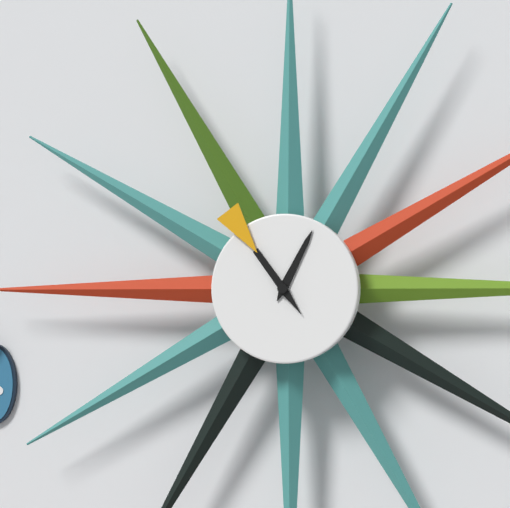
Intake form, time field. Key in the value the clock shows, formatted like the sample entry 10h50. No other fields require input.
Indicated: 12h54
